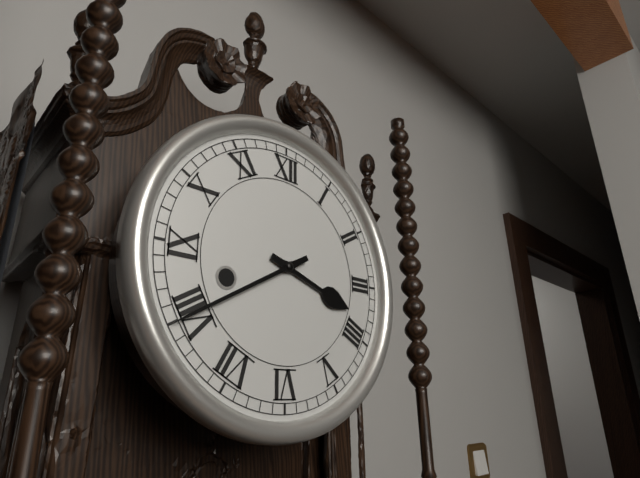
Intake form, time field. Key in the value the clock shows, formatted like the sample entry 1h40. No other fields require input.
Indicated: 3h40
